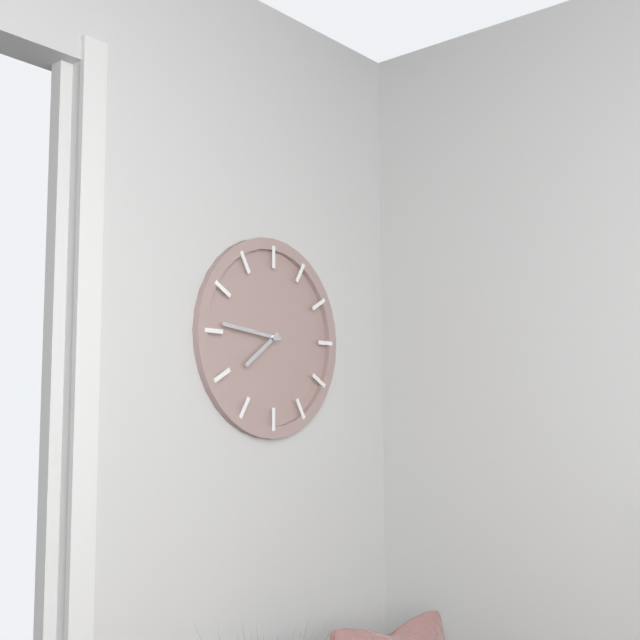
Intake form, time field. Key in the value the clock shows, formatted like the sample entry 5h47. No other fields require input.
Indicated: 7h46
